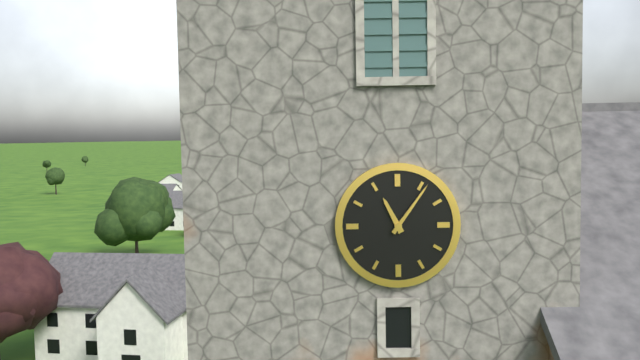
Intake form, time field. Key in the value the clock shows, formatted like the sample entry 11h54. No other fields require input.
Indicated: 11h06
